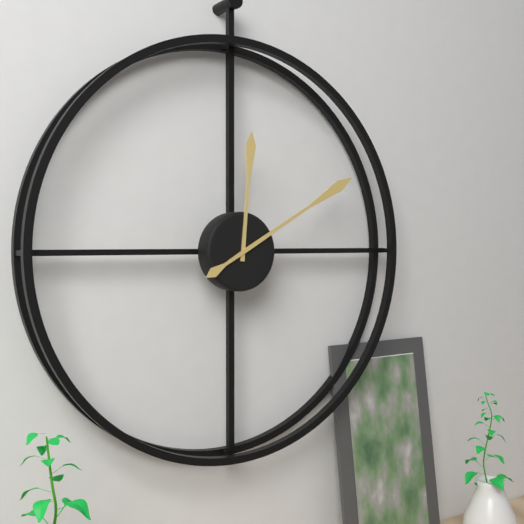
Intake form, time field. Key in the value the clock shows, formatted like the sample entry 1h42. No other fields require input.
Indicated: 12h10
